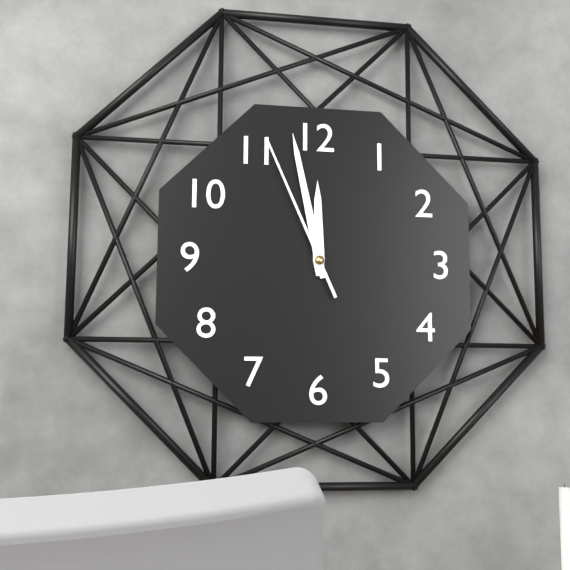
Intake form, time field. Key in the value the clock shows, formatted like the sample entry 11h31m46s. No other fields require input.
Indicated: 11h58m56s
